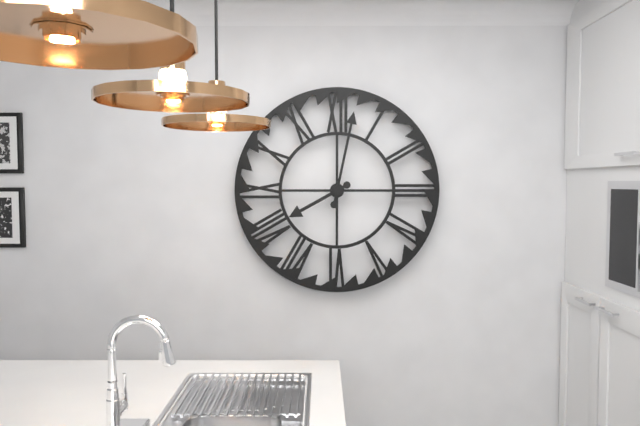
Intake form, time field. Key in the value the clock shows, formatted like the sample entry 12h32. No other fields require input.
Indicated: 8h02
